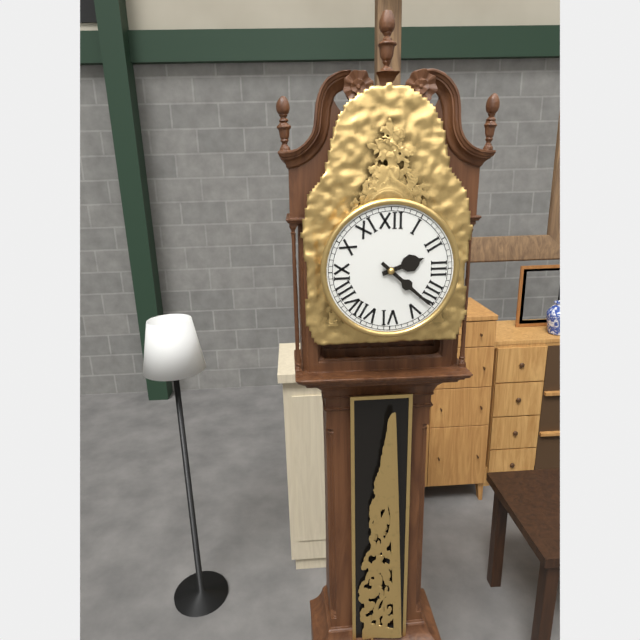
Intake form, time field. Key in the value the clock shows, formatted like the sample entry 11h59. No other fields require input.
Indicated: 2h22
